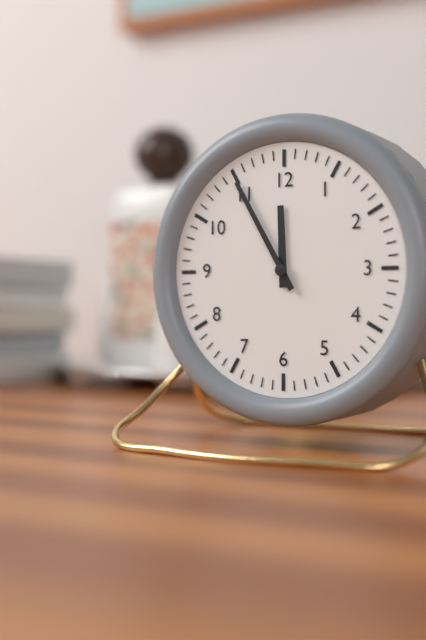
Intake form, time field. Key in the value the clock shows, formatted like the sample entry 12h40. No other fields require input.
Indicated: 11h55
